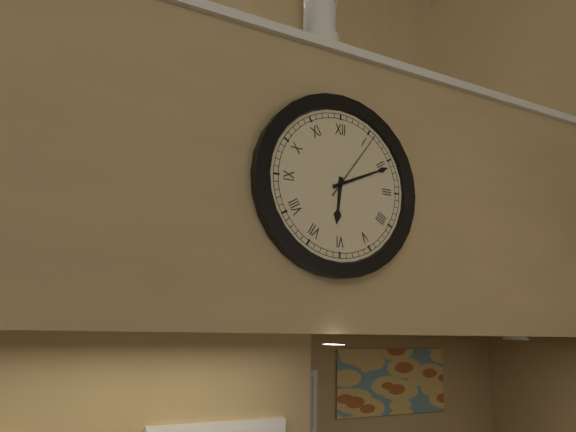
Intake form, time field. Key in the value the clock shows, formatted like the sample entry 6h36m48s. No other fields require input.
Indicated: 6h11m06s
